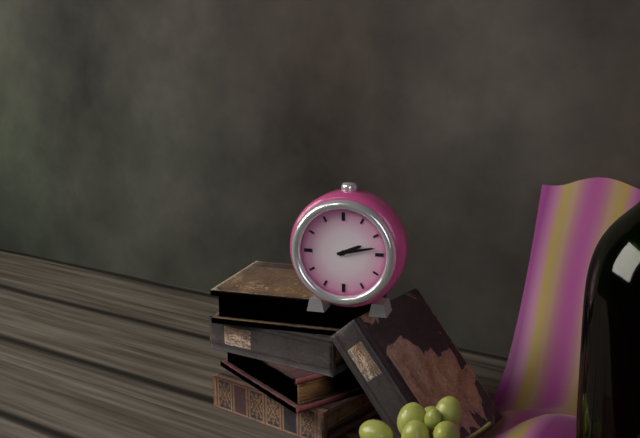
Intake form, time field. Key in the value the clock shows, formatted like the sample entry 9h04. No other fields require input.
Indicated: 2h13
